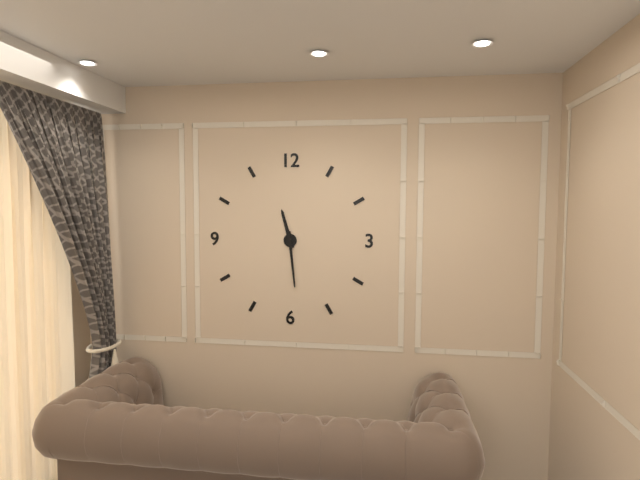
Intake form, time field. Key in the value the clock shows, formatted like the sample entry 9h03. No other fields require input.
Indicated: 11h29
